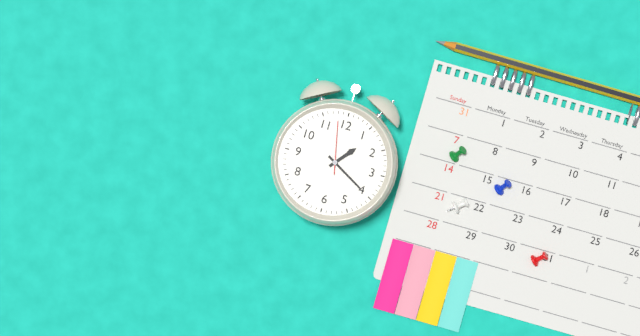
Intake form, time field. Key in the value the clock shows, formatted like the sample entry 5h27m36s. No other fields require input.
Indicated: 1h20m58s
